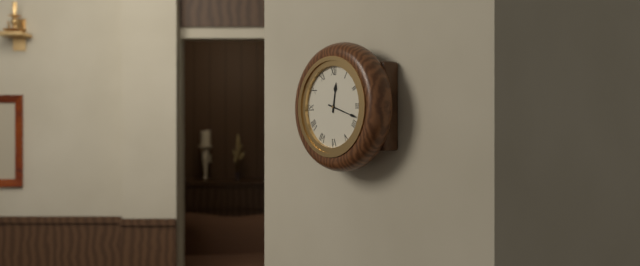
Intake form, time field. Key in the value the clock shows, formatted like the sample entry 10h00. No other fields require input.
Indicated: 12h18
